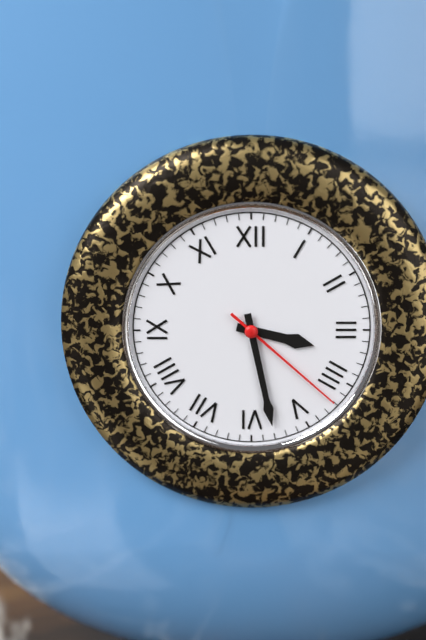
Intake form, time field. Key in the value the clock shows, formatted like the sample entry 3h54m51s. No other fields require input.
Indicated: 3h28m22s
